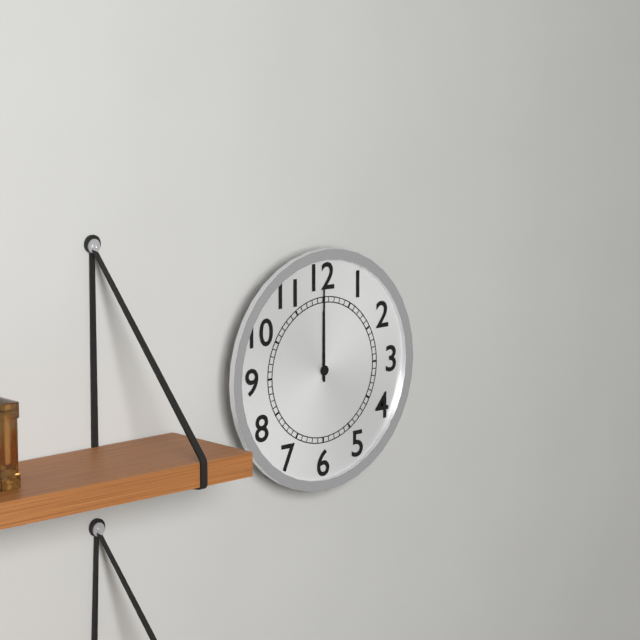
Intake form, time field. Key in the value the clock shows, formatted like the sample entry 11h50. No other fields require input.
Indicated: 12h00
